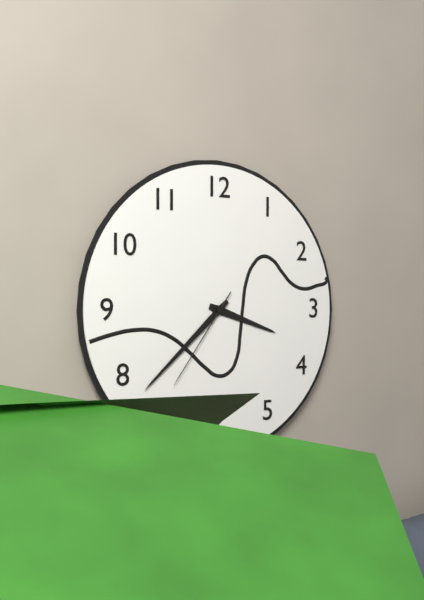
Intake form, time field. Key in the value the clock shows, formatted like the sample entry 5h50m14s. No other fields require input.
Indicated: 3h38m36s
